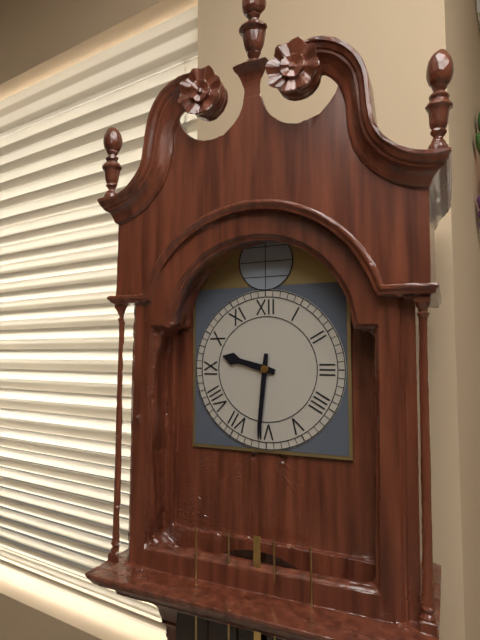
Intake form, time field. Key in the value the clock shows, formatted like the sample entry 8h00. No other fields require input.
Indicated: 9h31
